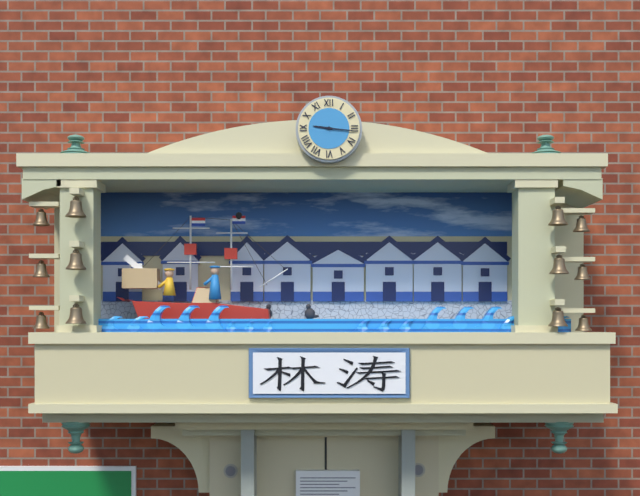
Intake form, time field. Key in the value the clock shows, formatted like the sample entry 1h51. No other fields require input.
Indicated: 9h16
